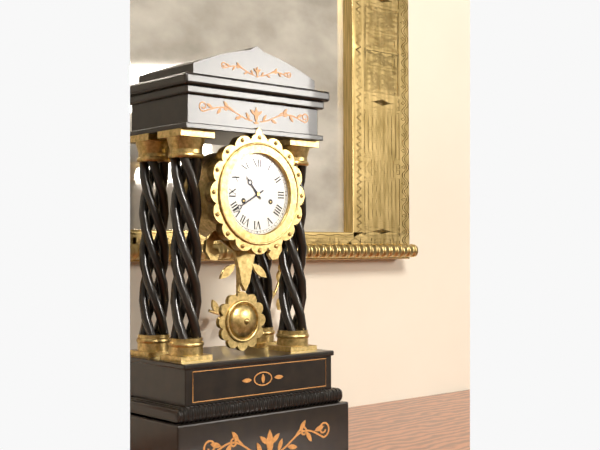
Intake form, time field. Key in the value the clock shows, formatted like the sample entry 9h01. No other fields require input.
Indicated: 10h40
